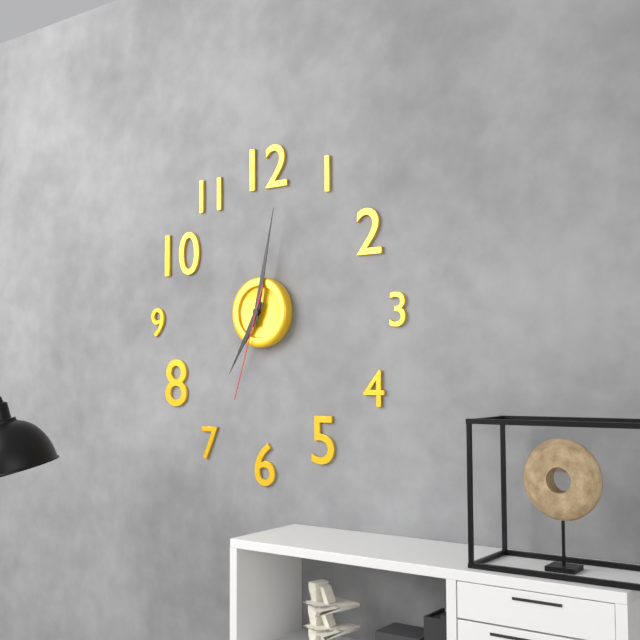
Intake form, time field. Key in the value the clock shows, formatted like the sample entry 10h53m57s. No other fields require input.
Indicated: 7h02m33s
